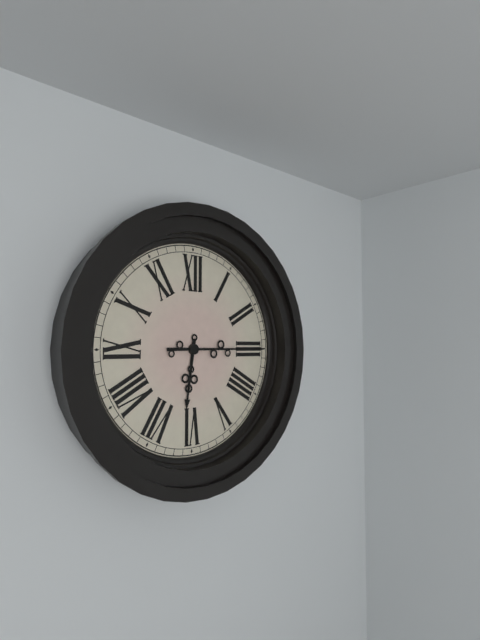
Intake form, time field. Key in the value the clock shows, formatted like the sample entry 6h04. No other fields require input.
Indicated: 6h15
